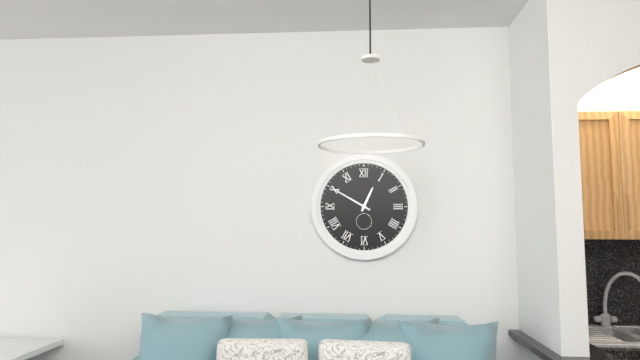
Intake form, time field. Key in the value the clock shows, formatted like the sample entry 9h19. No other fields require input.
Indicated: 12h50
